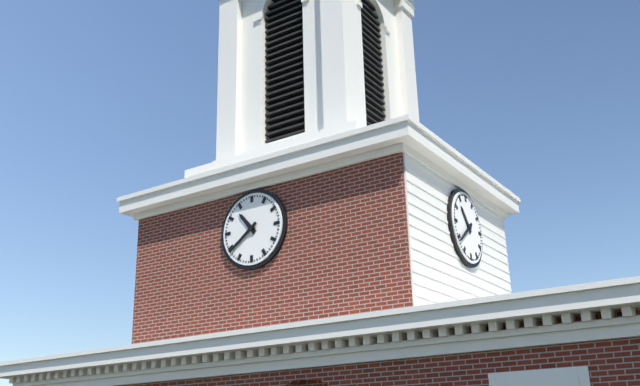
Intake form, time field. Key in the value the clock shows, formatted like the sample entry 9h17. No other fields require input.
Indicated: 10h39
